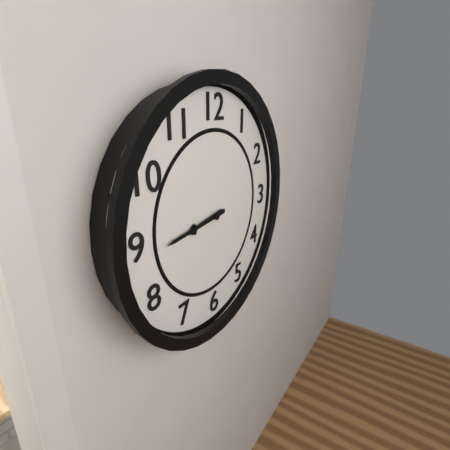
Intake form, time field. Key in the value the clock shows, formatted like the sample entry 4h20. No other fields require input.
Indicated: 8h44
